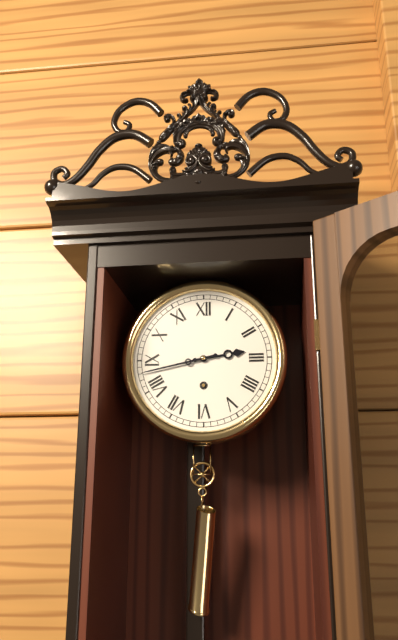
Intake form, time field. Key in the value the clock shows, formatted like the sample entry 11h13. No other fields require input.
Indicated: 2h43
